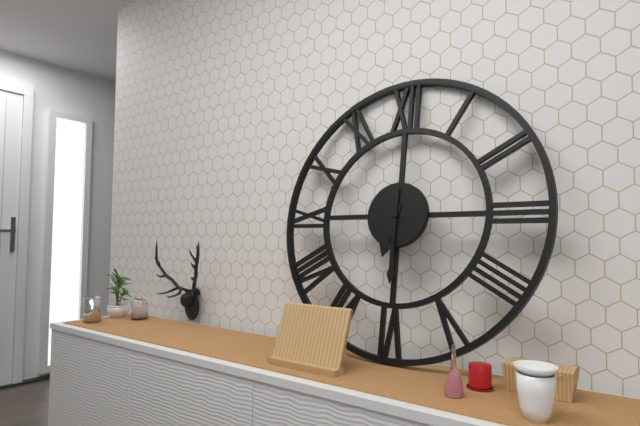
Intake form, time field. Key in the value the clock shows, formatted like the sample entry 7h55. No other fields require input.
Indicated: 6h30
